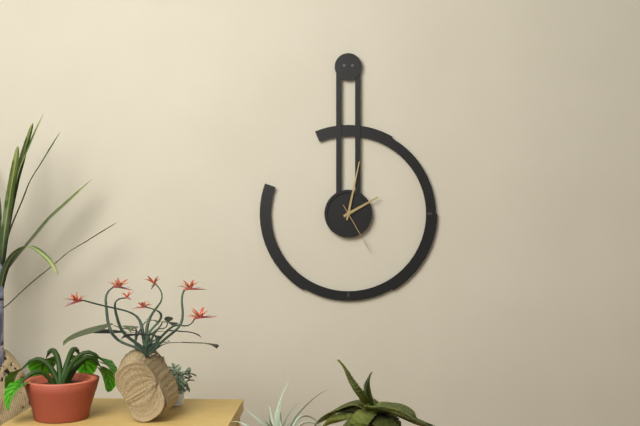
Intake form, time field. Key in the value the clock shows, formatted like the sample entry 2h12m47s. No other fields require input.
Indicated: 2h02m25s
